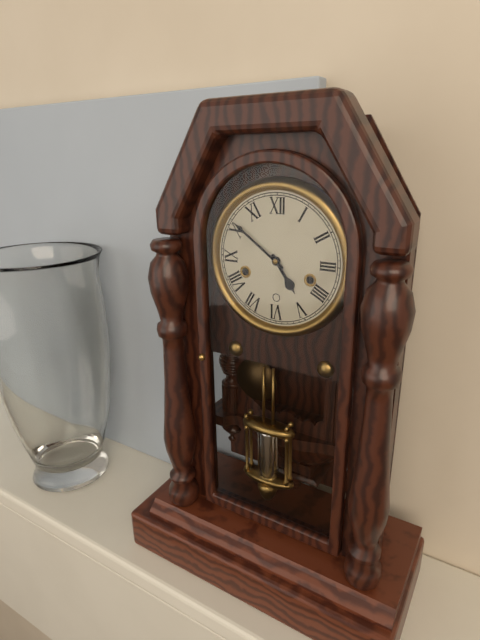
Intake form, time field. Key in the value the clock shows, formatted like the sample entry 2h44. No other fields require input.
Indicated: 4h51
